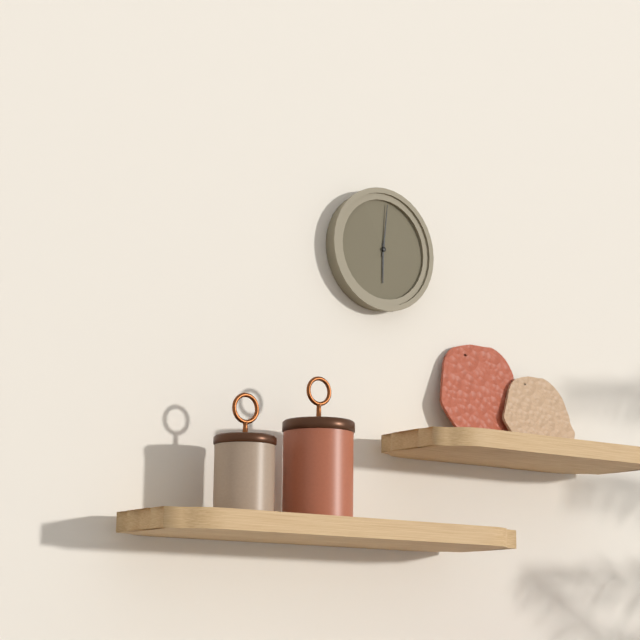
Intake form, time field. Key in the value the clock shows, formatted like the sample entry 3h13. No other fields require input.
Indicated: 6h01
